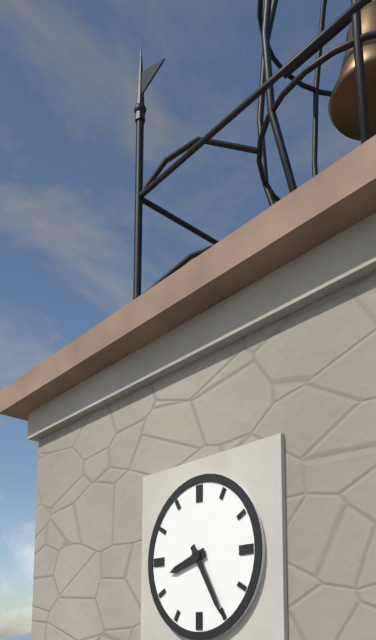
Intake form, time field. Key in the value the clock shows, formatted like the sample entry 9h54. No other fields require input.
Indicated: 8h25
